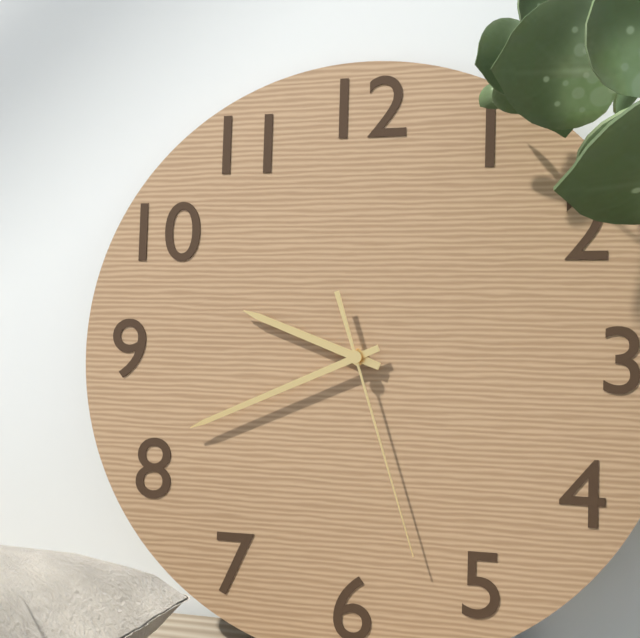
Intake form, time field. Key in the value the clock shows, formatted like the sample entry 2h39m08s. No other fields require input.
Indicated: 9h41m27s
